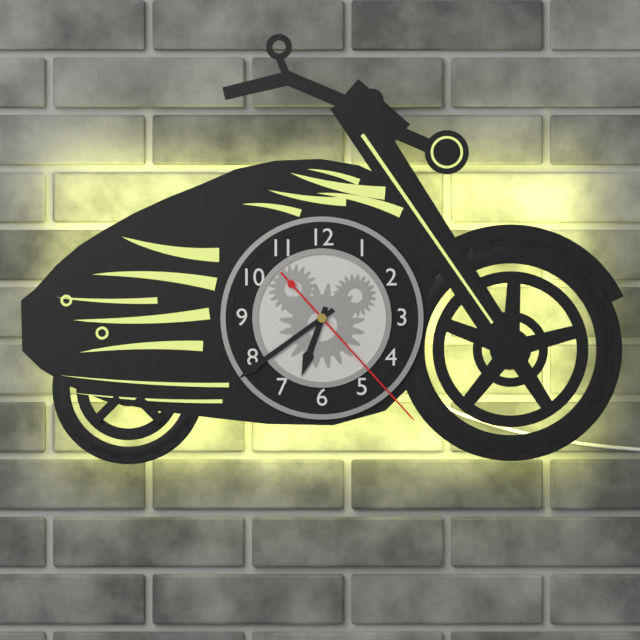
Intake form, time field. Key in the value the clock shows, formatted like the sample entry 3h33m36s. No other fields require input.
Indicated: 6h39m23s
